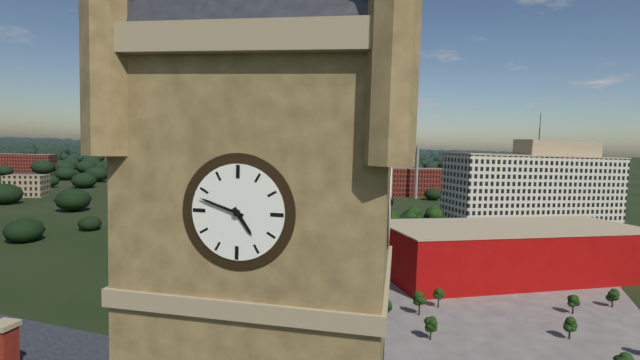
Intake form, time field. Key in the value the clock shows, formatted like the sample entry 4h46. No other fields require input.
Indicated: 4h48
